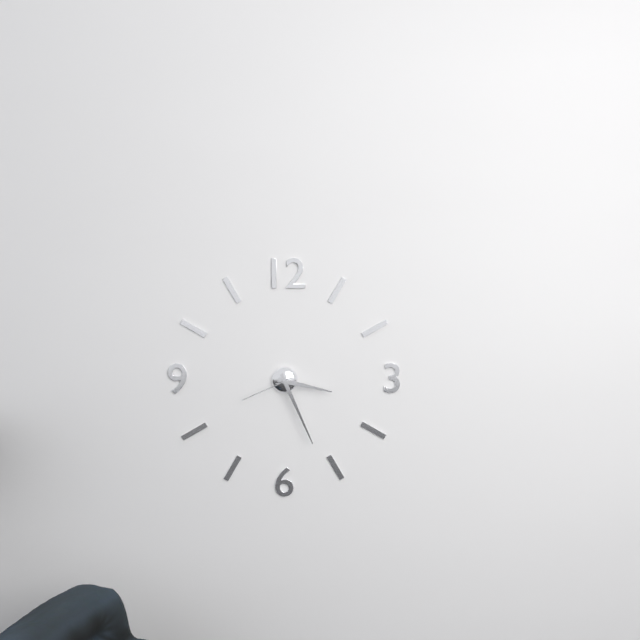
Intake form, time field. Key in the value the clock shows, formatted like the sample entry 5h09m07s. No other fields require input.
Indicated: 3h26m41s
